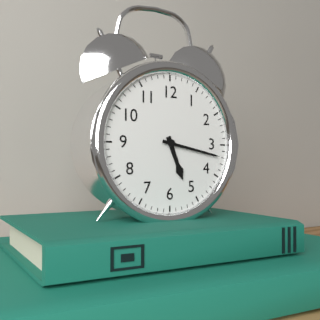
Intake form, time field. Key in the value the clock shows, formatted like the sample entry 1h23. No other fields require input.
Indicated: 5h17
